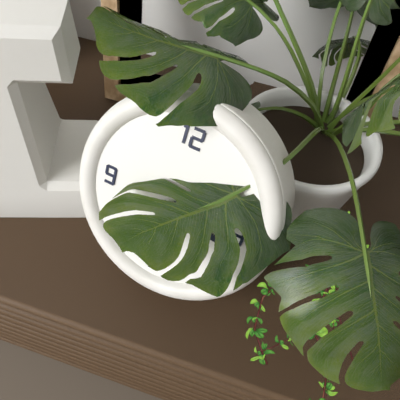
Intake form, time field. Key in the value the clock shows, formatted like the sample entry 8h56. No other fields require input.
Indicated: 2h17
